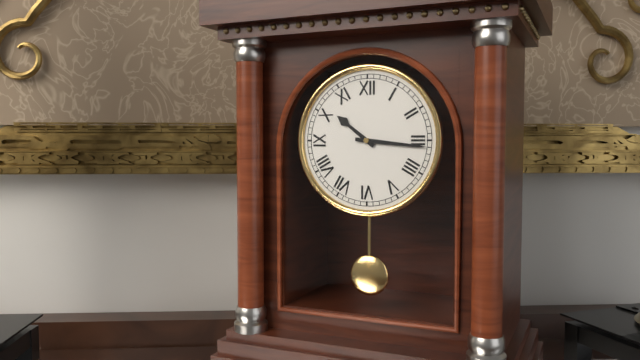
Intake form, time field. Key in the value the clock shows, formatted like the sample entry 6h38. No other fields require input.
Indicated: 10h16
